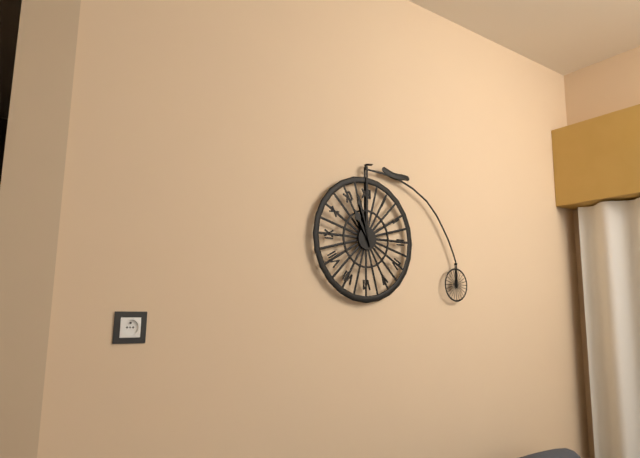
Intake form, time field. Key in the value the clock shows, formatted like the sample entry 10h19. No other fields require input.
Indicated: 10h57
